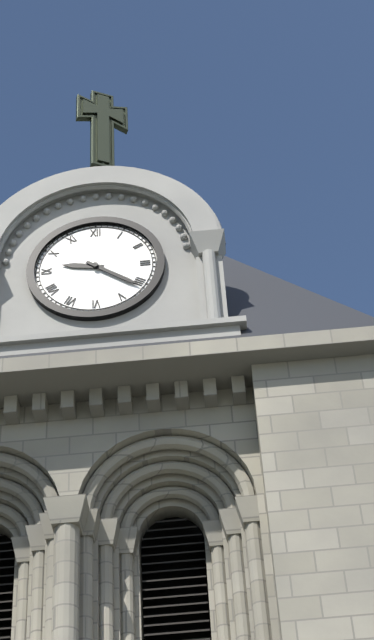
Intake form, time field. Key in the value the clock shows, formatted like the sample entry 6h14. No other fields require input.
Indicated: 9h21
